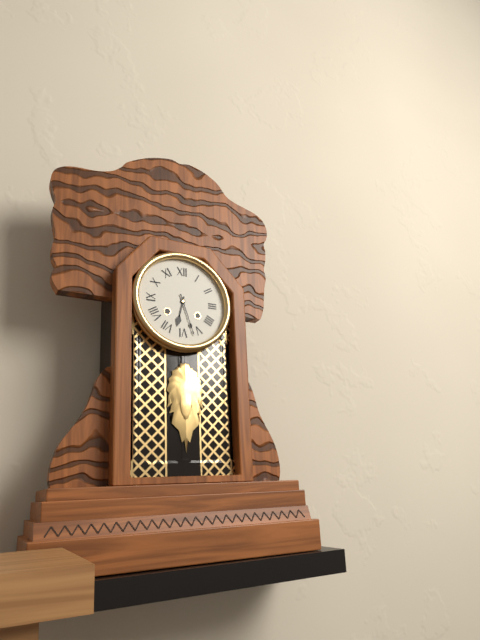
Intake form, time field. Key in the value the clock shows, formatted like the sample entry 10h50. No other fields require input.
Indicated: 6h27
